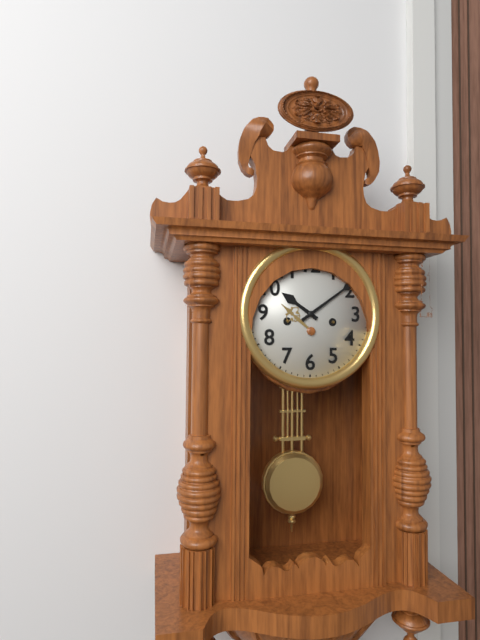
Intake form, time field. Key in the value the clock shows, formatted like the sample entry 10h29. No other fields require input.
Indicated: 10h09
